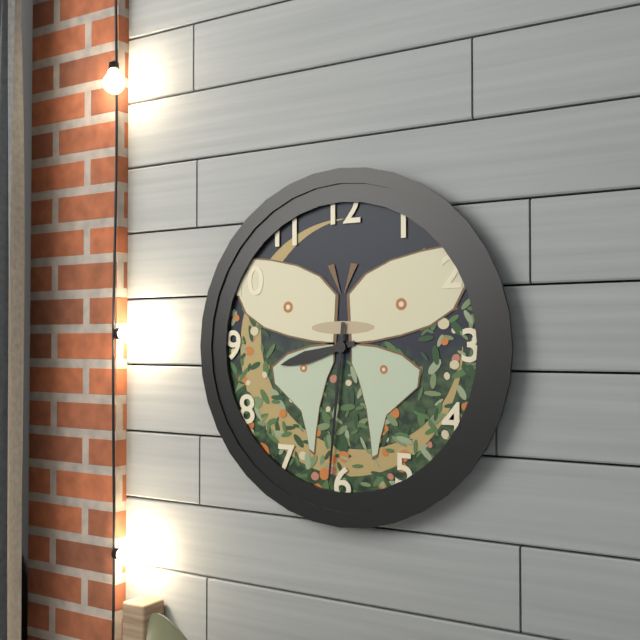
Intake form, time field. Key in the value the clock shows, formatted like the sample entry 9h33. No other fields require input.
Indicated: 8h31
